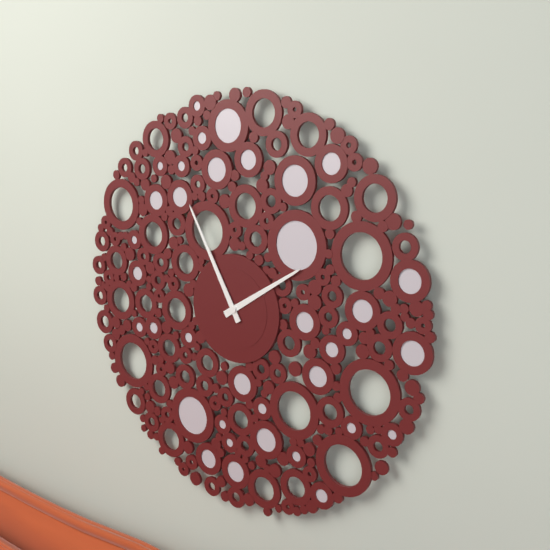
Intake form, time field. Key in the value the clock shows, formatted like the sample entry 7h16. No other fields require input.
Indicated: 1h55
